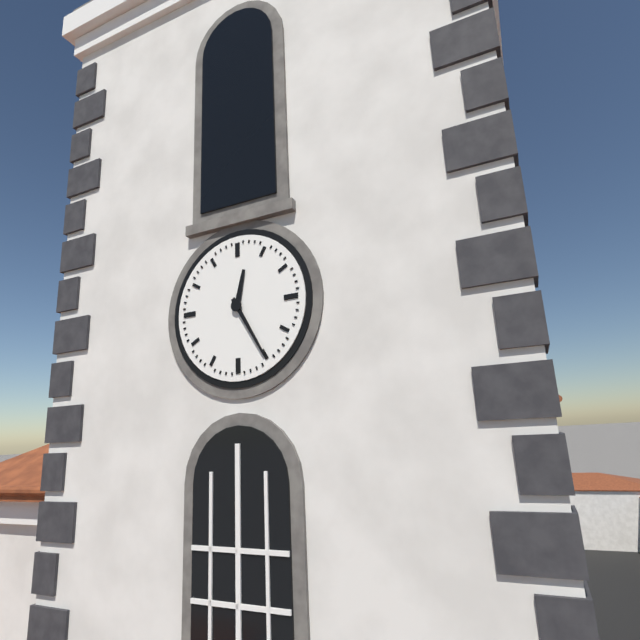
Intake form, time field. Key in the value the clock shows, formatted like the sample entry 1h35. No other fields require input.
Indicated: 12h25
